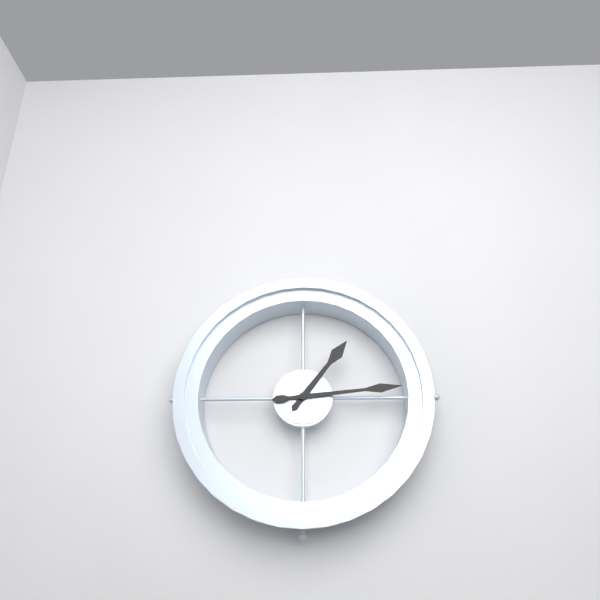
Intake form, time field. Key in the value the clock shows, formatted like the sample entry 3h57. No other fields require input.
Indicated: 1h14
